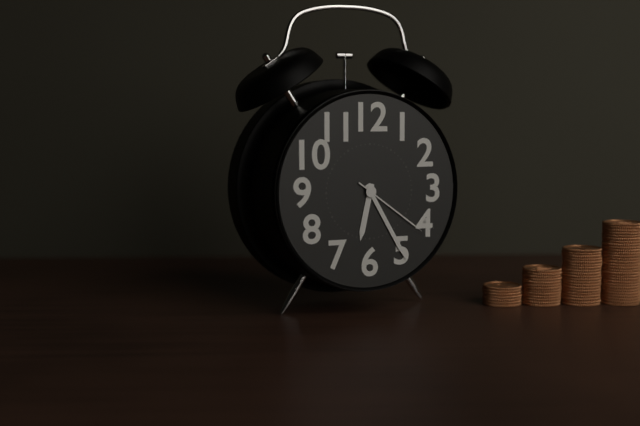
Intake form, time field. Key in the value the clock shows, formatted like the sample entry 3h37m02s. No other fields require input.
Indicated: 6h25m21s
